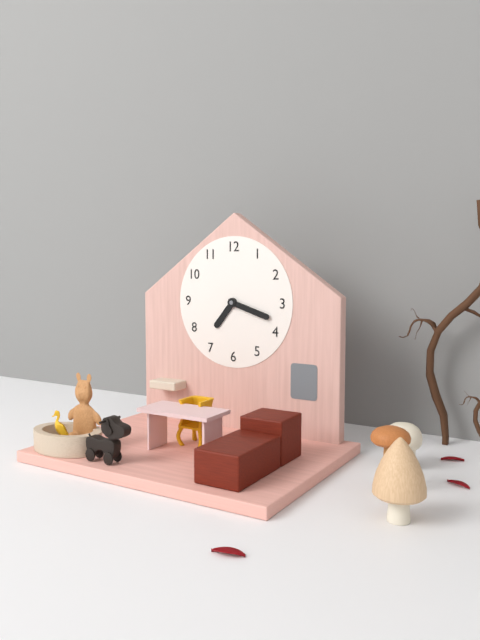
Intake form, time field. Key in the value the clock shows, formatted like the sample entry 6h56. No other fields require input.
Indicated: 7h18
